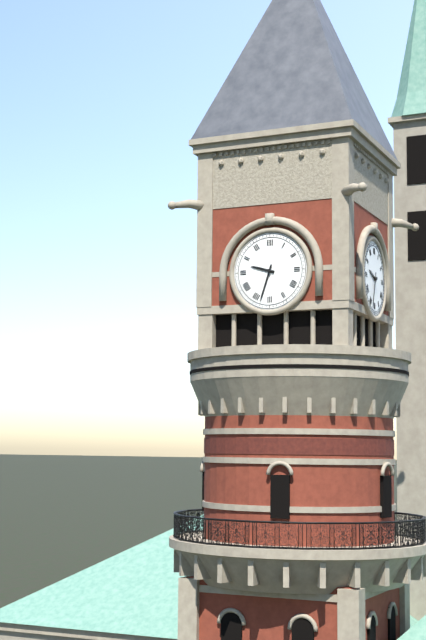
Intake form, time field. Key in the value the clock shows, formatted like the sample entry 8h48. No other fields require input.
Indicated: 9h33
